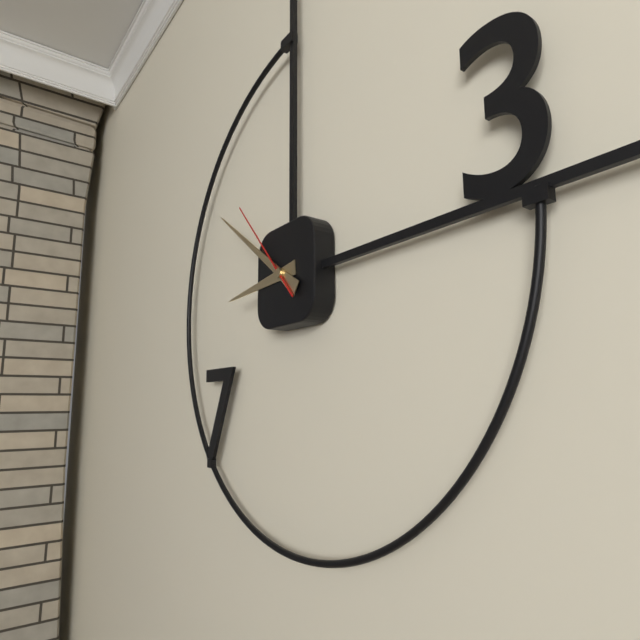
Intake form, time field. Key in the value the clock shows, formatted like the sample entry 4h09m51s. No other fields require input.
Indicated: 8h51m53s
